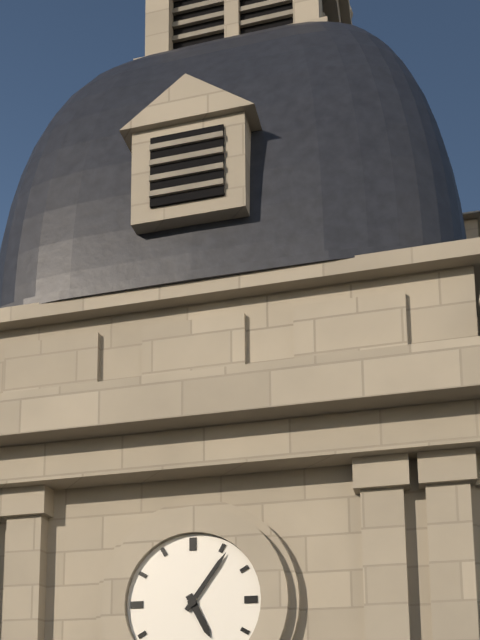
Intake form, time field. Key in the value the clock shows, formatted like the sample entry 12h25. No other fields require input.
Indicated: 5h06
